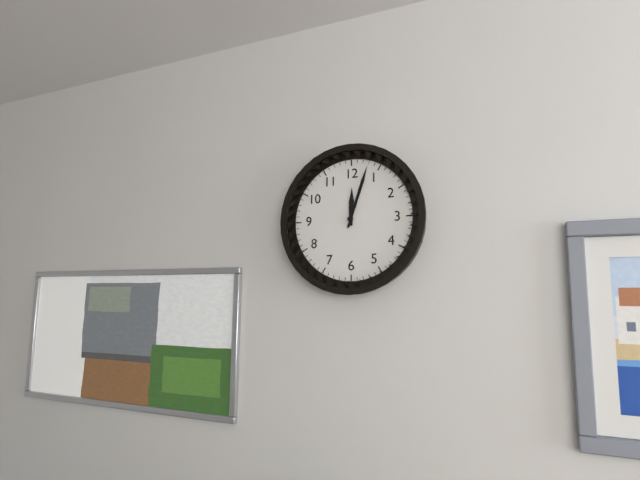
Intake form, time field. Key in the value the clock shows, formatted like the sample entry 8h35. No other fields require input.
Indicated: 12h03
